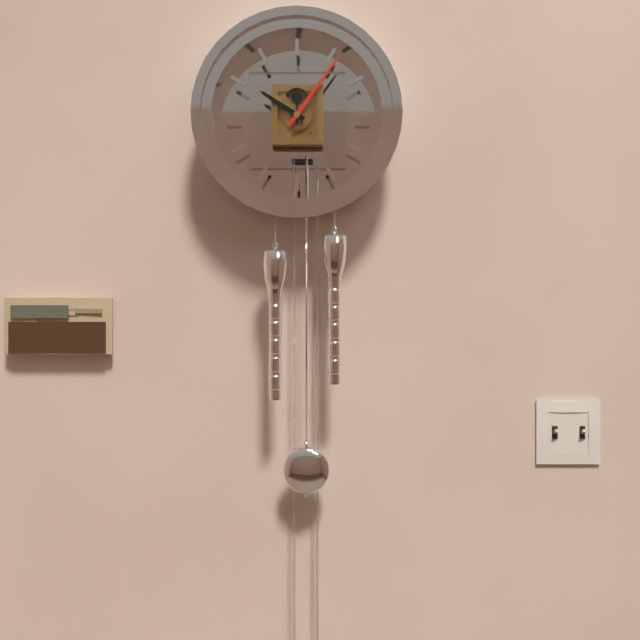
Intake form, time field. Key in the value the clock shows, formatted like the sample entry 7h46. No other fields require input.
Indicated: 10h06
